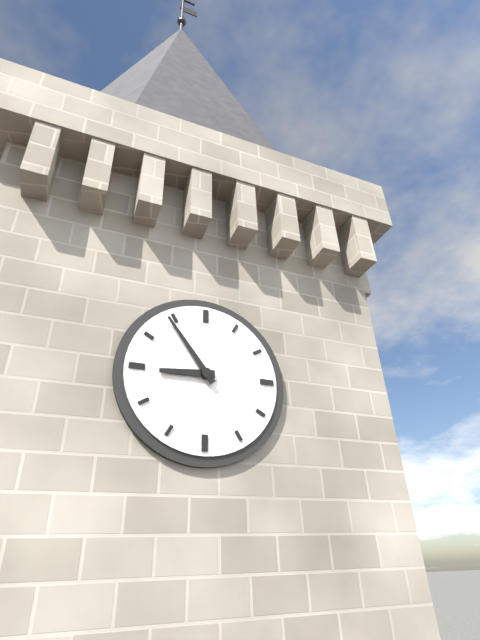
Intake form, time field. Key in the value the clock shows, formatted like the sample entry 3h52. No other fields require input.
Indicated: 8h54
